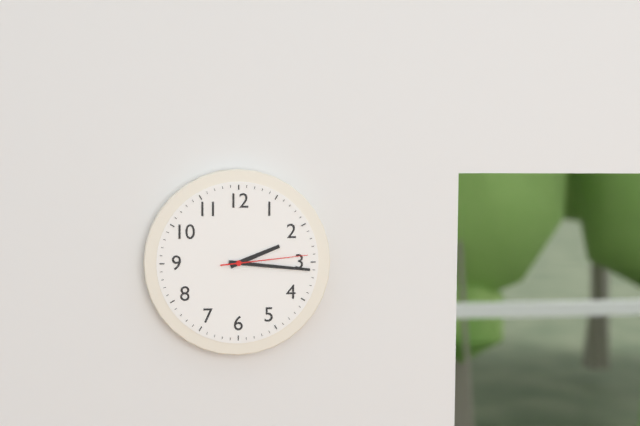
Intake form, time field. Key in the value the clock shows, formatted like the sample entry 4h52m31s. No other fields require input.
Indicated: 2h16m14s
